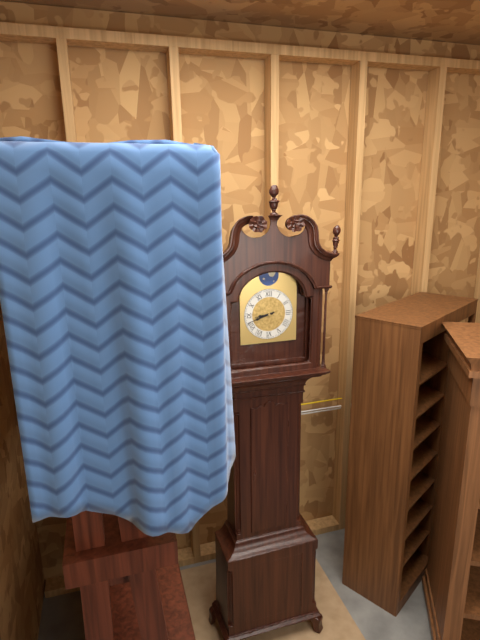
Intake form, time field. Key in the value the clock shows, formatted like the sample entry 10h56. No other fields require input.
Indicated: 8h42
